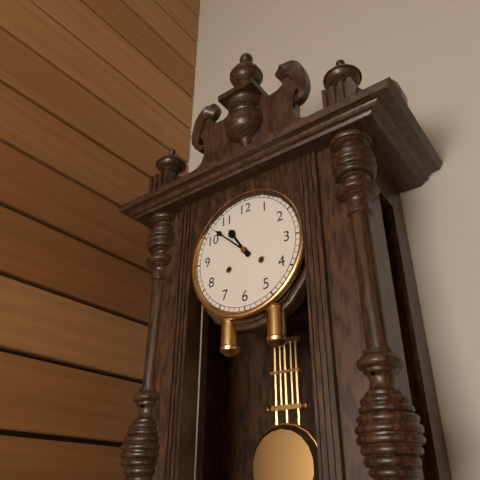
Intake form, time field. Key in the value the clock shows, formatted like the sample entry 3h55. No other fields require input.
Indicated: 10h52
